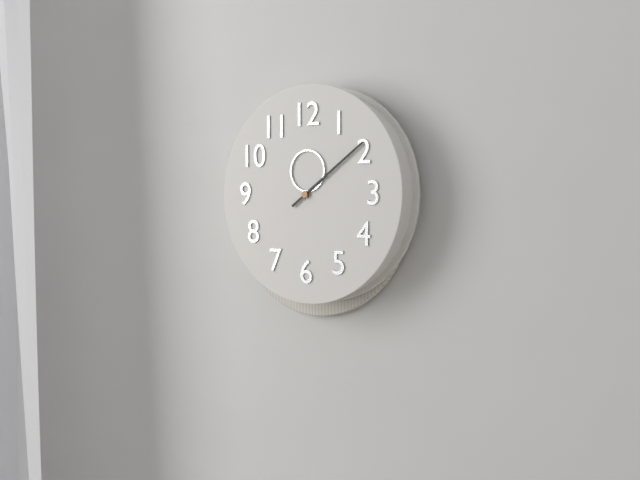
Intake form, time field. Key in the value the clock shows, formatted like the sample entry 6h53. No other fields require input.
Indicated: 12h09
